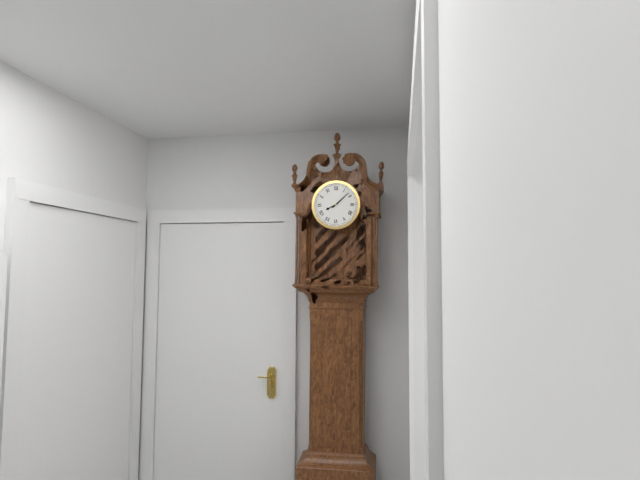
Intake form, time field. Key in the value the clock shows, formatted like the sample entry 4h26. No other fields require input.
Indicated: 8h08
